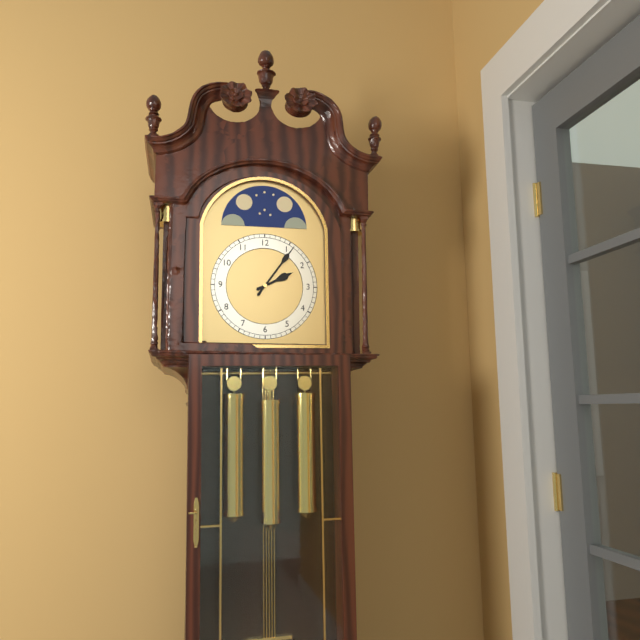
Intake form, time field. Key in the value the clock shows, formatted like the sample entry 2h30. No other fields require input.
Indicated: 2h06
